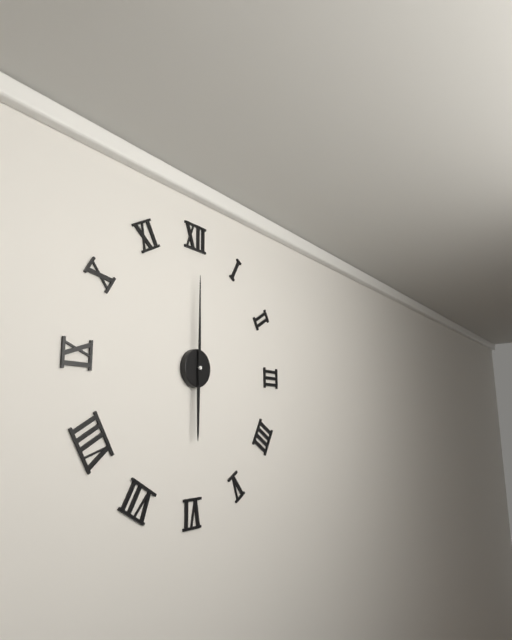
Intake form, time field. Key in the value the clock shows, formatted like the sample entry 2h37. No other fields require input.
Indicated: 6h00
